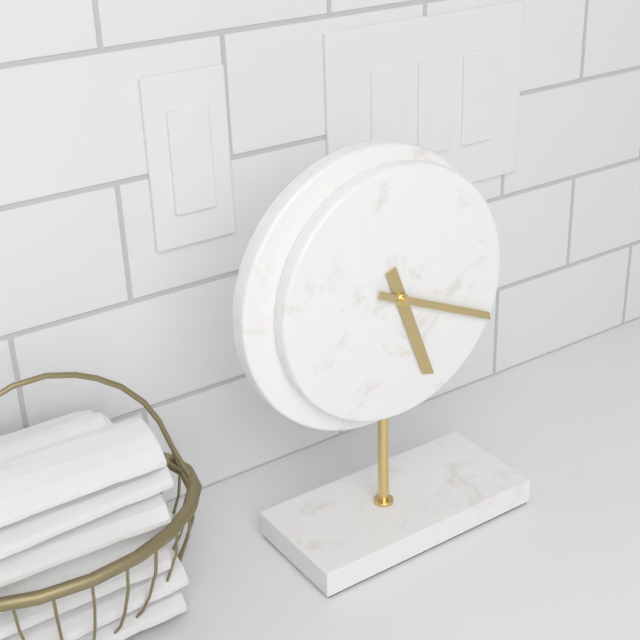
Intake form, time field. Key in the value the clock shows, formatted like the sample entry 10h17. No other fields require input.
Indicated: 5h19
